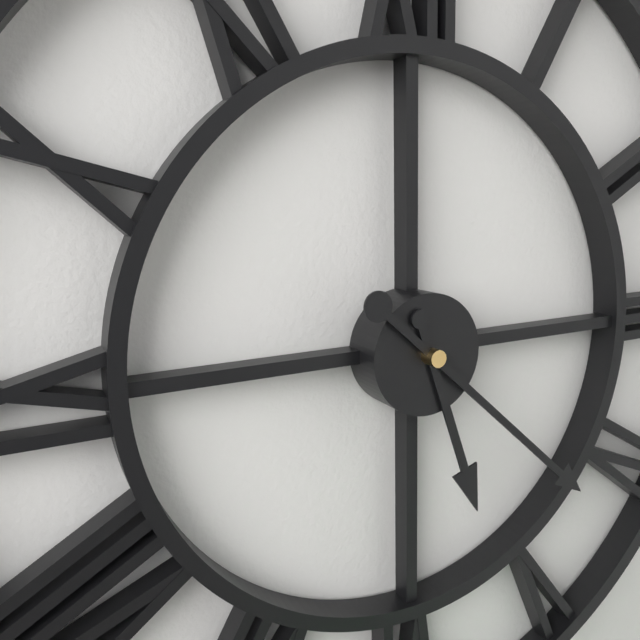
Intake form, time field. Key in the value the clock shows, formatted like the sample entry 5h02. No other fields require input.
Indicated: 5h22
